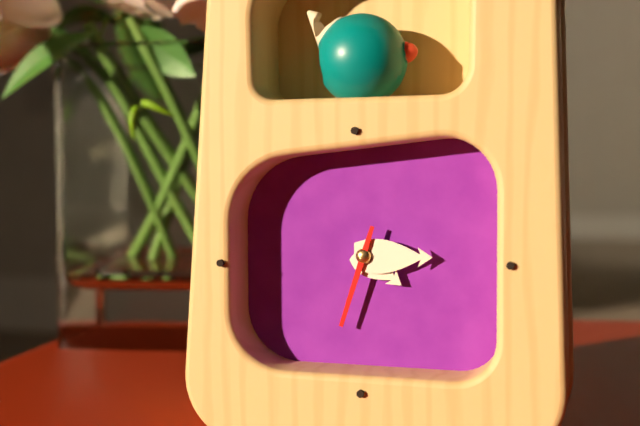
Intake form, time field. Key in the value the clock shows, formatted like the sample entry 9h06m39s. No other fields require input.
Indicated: 4h15m33s
